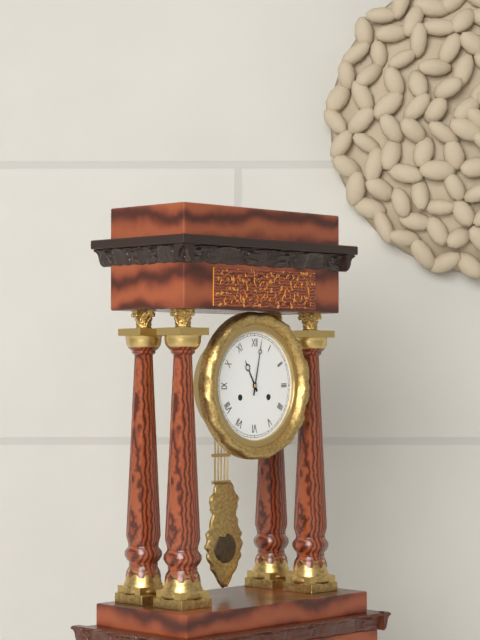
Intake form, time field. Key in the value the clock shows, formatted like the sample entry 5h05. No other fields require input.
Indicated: 11h02
